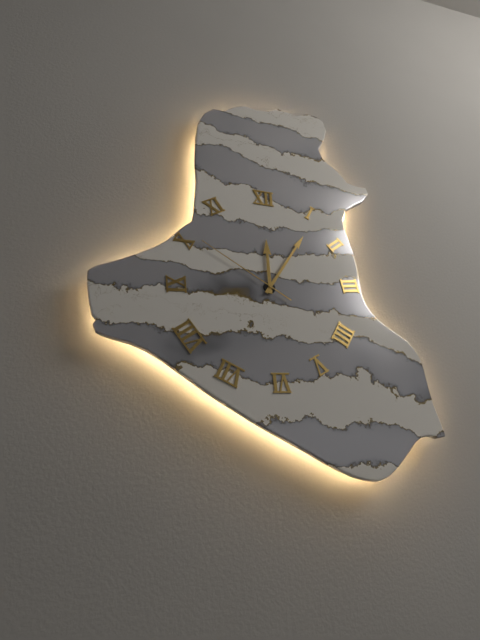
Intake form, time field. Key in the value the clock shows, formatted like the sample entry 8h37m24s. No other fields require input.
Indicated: 12h06m51s
